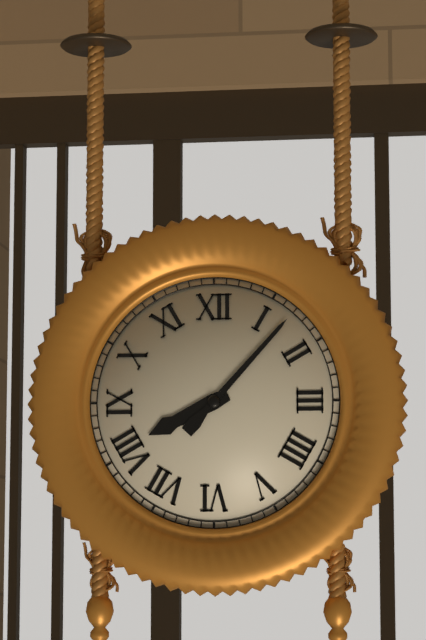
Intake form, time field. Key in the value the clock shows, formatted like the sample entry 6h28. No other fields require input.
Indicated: 8h07
